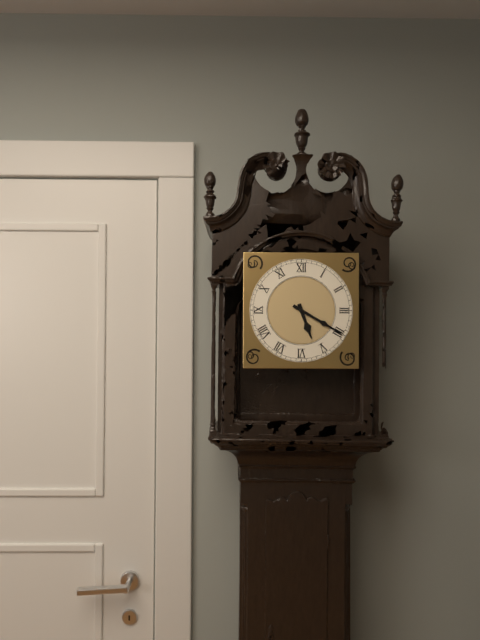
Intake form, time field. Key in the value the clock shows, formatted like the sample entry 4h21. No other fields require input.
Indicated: 5h20
